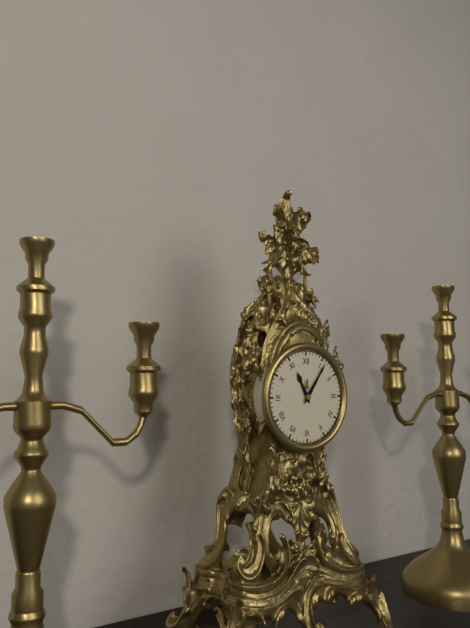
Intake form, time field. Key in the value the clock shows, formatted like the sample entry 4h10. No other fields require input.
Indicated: 11h06
